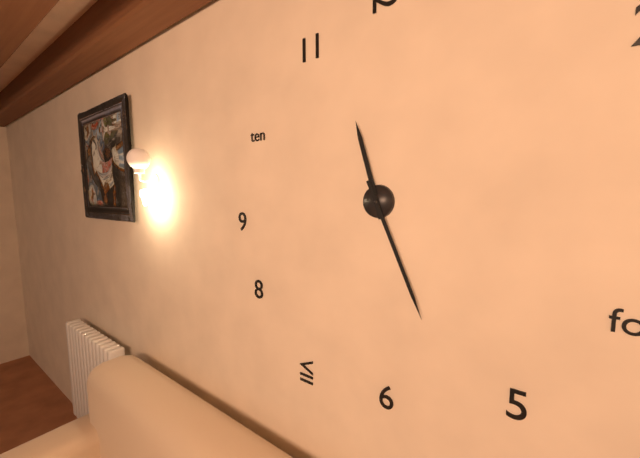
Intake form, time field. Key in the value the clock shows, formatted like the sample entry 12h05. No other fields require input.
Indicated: 11h26
